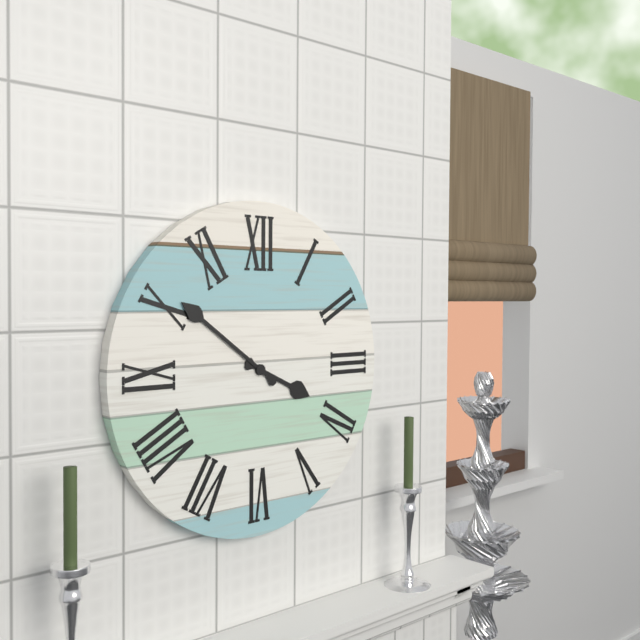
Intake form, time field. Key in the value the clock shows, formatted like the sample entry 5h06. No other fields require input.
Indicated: 3h51
